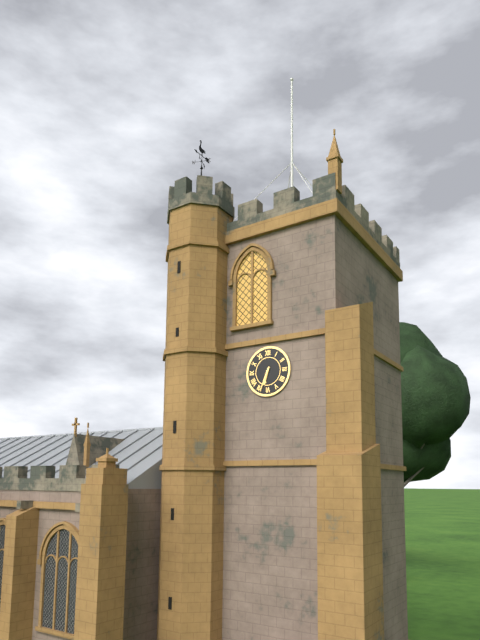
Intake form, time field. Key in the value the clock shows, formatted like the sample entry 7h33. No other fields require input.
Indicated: 6h34
